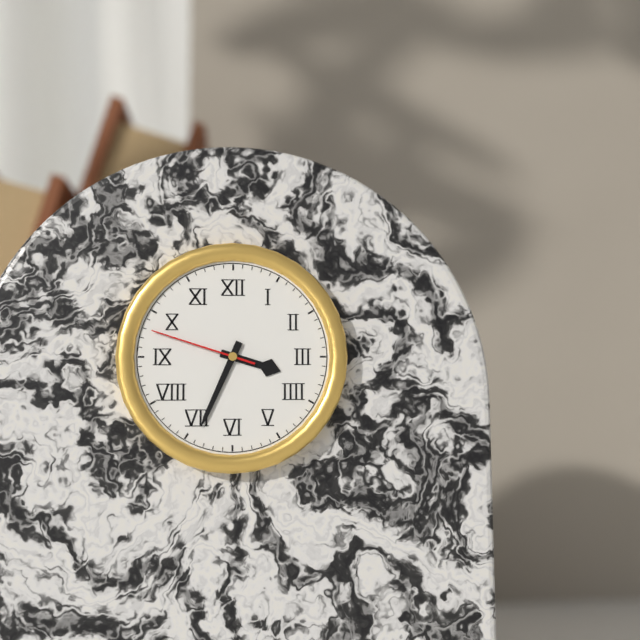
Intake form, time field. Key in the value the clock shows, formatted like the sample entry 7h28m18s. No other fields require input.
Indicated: 3h34m48s
